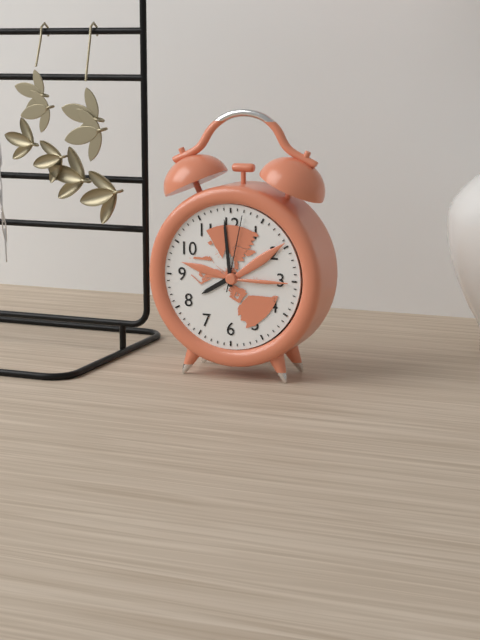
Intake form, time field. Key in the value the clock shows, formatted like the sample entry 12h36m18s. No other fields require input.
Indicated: 7h59m02s
